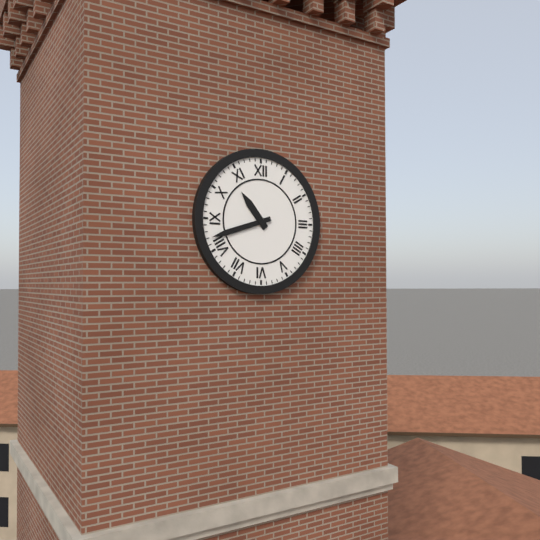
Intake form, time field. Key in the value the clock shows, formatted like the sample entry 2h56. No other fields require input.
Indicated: 10h42
